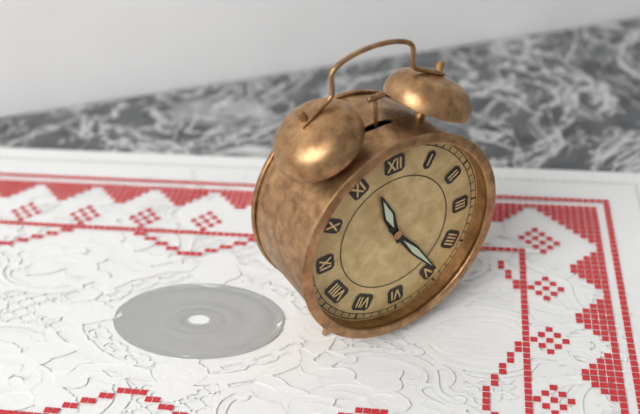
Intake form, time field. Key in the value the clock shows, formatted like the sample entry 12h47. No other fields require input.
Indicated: 11h24
